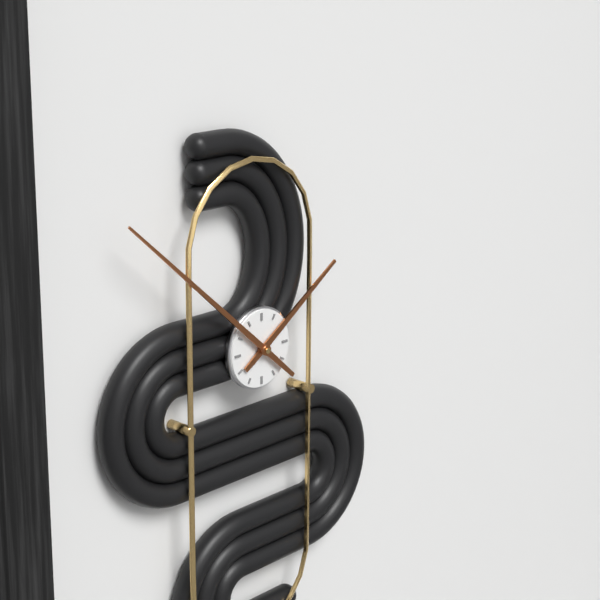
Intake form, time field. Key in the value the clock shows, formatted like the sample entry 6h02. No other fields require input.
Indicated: 1h52
